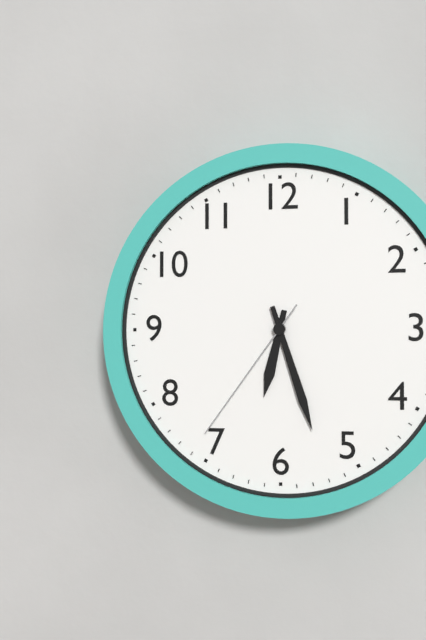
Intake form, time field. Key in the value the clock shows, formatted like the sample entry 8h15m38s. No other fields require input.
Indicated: 6h27m36s
